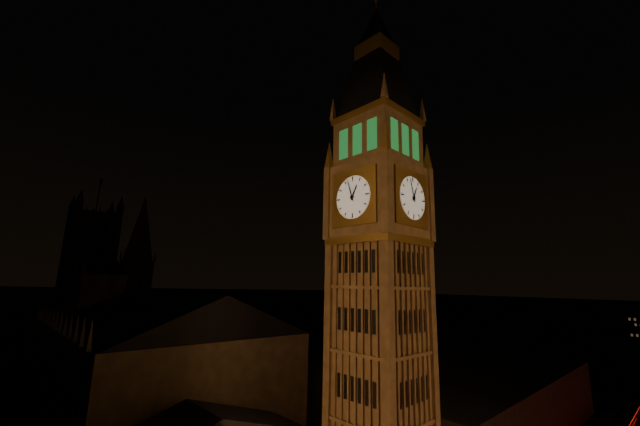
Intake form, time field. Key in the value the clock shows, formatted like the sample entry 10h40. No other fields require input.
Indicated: 12h57
